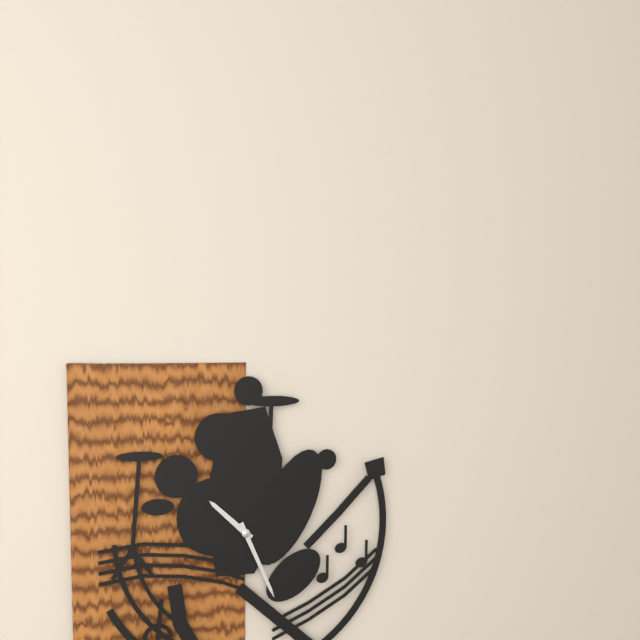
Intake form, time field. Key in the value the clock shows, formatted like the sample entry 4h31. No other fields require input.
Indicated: 10h26
